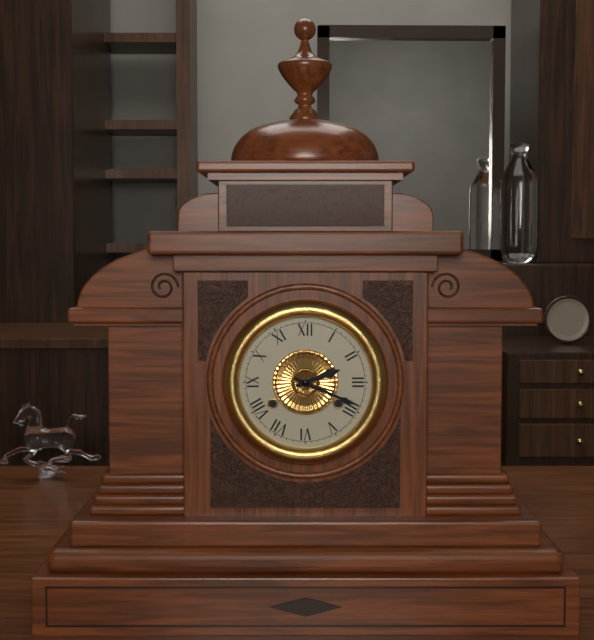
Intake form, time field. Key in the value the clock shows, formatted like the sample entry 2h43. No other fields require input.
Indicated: 2h19
